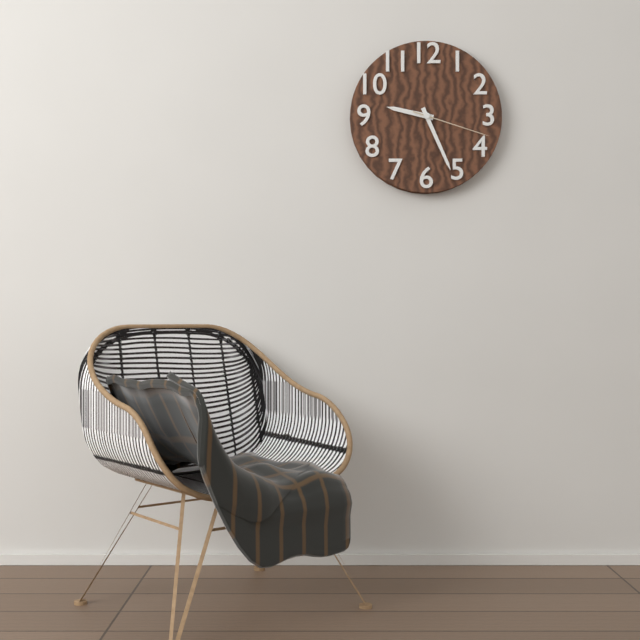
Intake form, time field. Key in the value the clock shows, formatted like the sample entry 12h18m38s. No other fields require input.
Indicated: 9h26m18s
